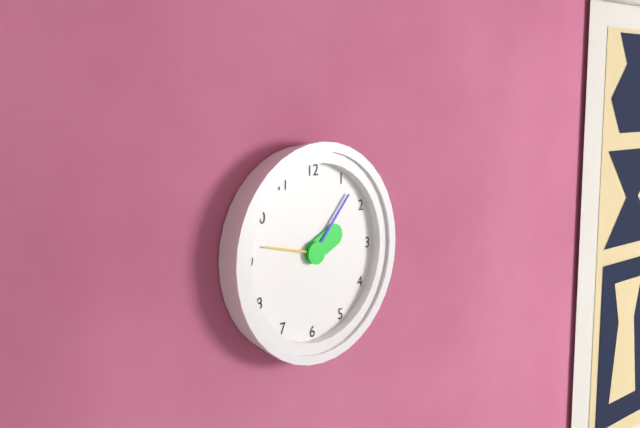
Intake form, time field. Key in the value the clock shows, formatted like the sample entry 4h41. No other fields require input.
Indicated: 2h07
